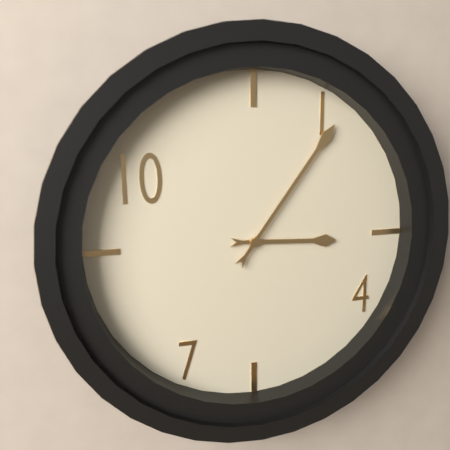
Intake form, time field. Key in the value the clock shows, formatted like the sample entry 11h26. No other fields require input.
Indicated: 3h06
